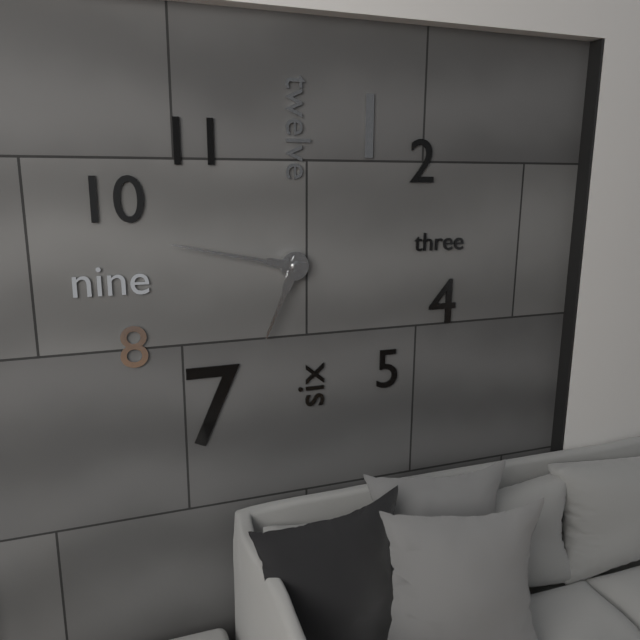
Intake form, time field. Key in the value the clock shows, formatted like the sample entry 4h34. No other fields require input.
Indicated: 6h47
